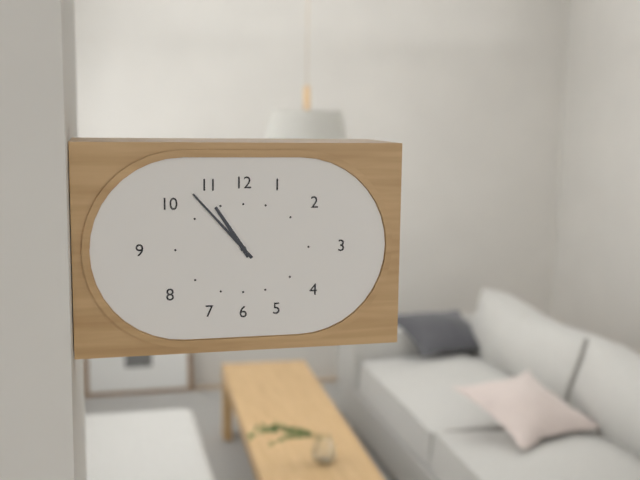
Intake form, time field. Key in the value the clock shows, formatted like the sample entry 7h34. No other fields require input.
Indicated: 10h53
